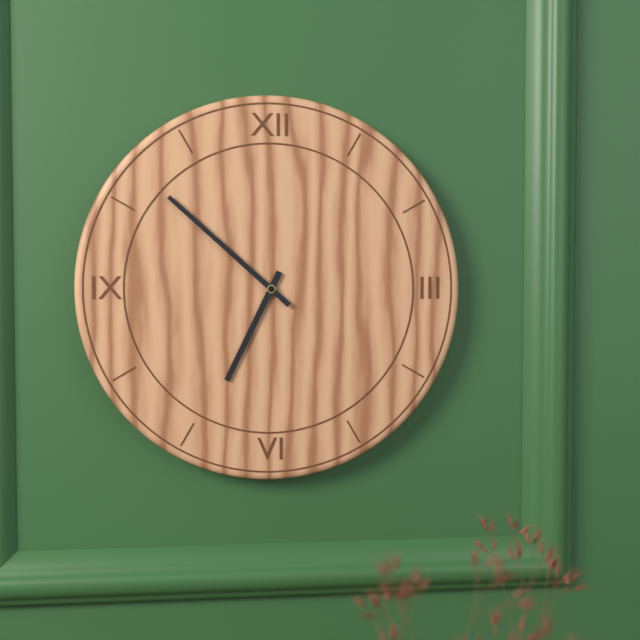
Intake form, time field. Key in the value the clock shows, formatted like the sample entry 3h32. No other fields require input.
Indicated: 6h52
